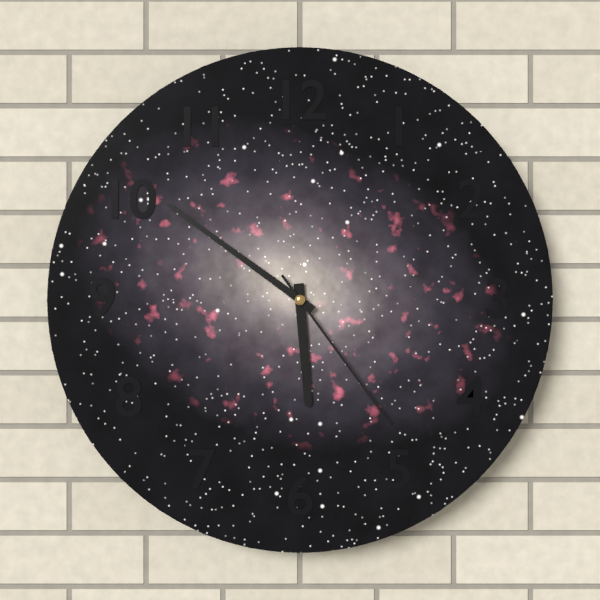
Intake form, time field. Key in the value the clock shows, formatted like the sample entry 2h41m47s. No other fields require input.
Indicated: 5h51m24s
